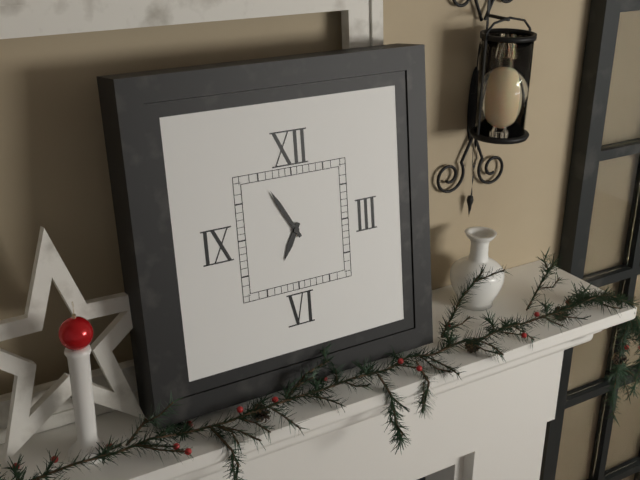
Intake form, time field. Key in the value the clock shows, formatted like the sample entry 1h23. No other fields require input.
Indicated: 6h55
